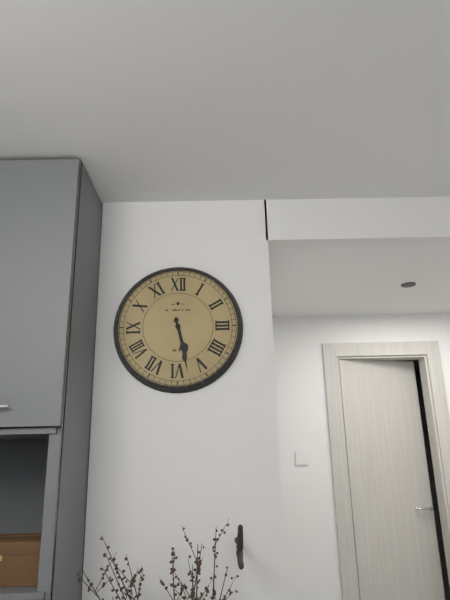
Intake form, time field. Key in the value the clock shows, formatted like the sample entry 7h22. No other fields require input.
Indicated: 5h28
